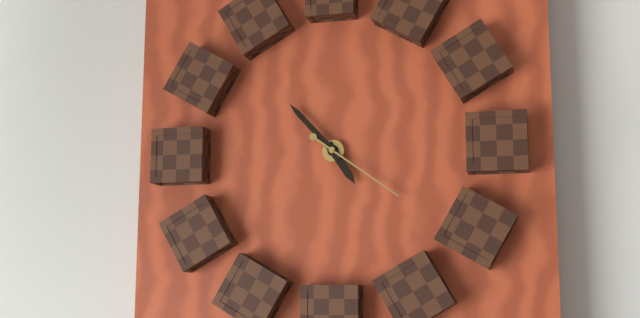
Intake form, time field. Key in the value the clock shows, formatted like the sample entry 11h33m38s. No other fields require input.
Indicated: 4h53m21s
